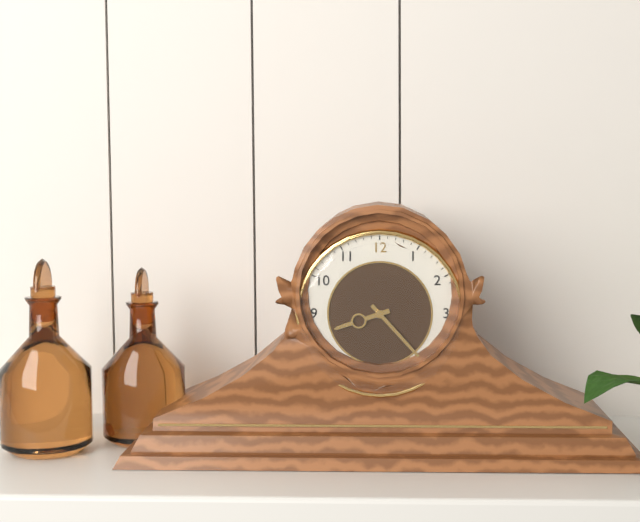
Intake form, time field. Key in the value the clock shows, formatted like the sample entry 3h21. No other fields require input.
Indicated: 8h23
